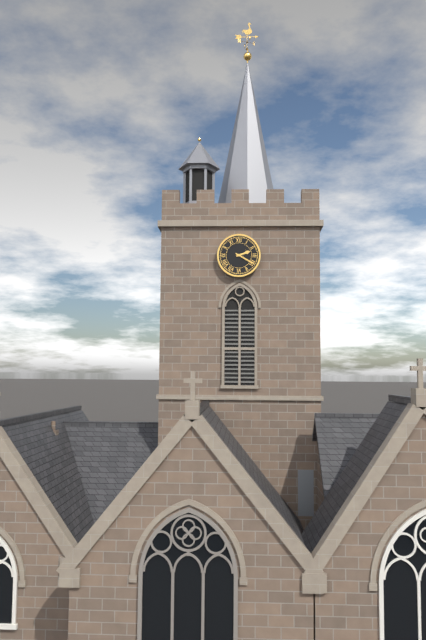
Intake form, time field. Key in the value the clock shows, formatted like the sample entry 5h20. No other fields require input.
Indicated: 2h20
